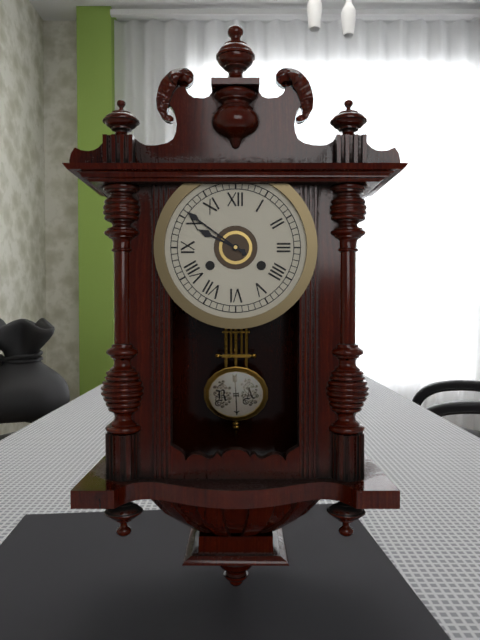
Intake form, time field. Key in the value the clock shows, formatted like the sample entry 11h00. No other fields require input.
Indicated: 9h51
